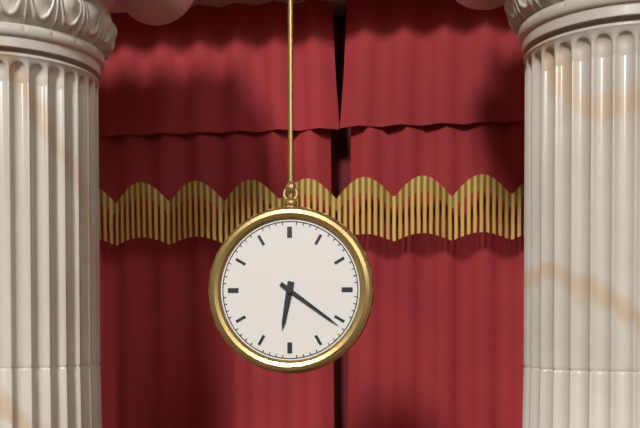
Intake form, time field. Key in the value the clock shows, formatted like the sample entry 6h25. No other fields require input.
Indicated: 6h21
